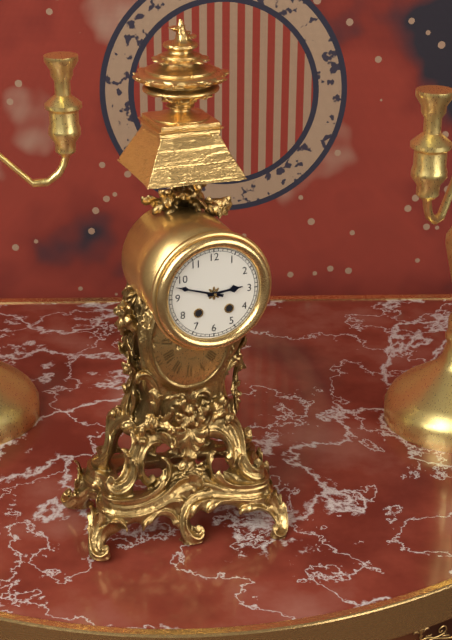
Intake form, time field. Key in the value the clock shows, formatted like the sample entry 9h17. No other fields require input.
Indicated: 2h48
